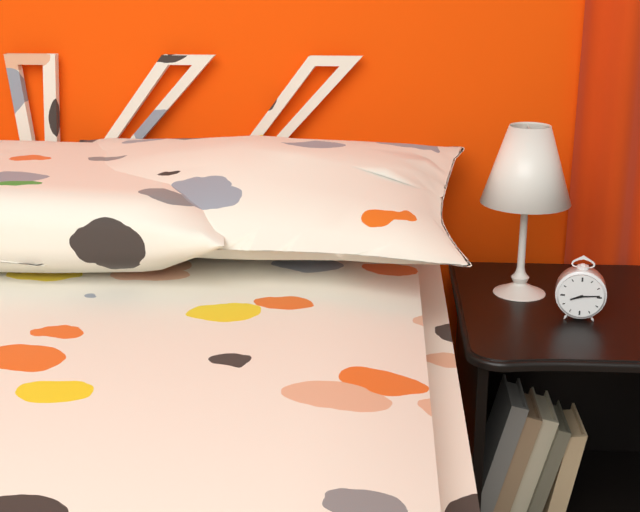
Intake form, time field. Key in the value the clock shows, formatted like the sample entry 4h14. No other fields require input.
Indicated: 8h14
